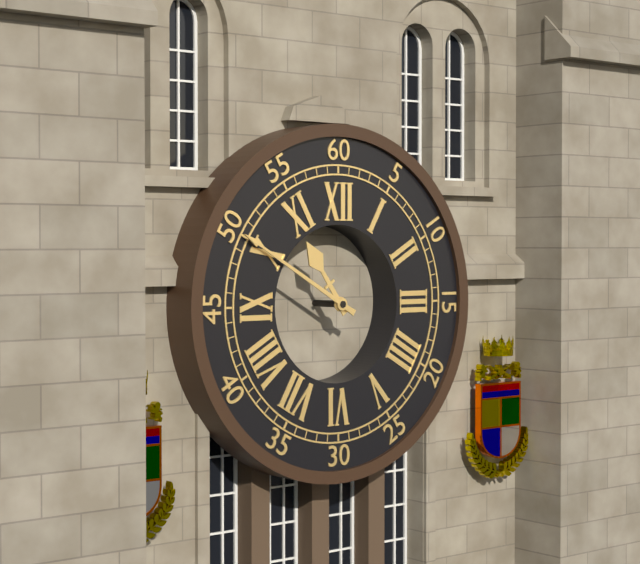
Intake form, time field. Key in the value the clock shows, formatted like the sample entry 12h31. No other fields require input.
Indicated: 10h50
